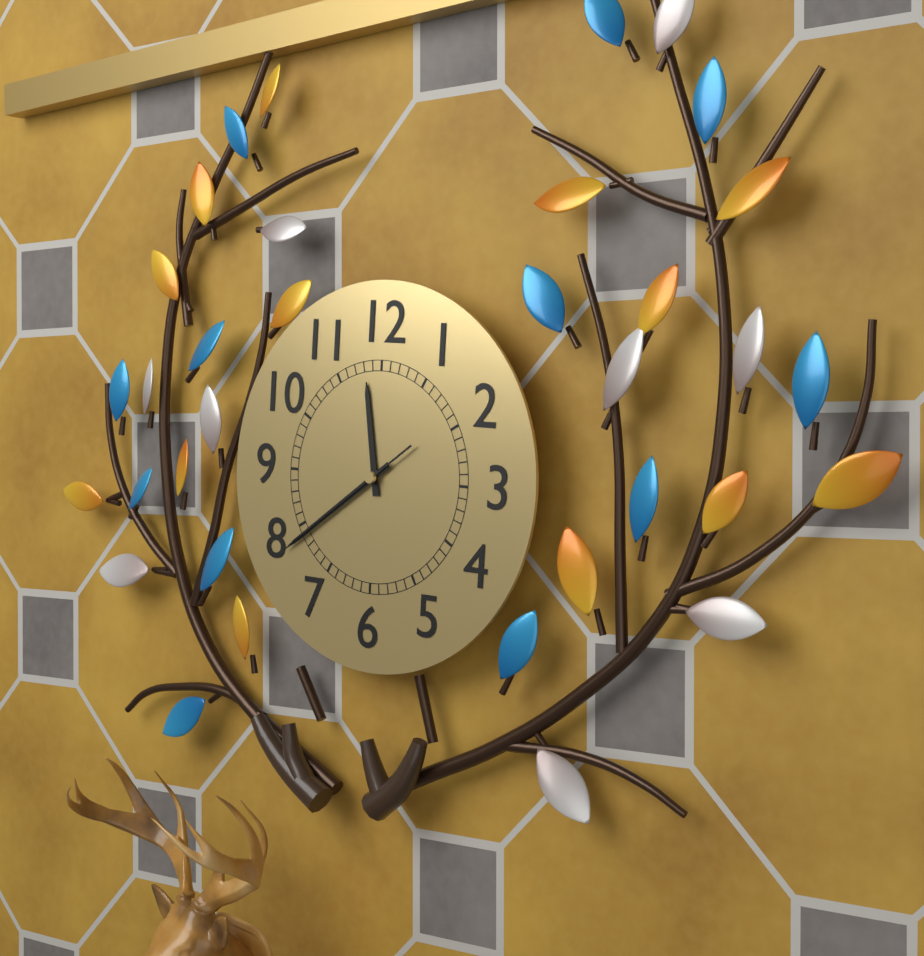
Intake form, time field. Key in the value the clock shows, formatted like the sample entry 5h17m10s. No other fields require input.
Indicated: 11h39m39s
